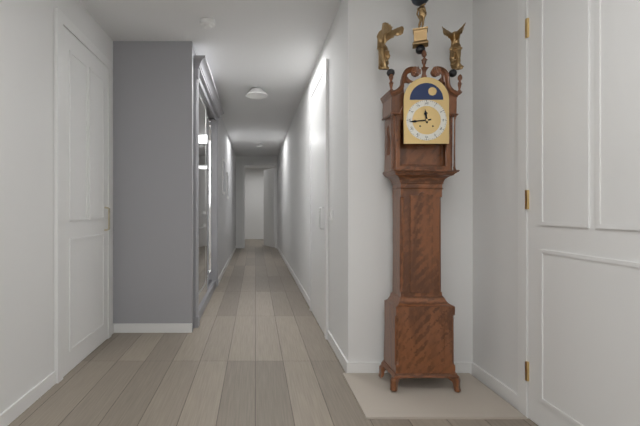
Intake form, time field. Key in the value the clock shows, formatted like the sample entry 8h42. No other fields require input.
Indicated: 11h44
